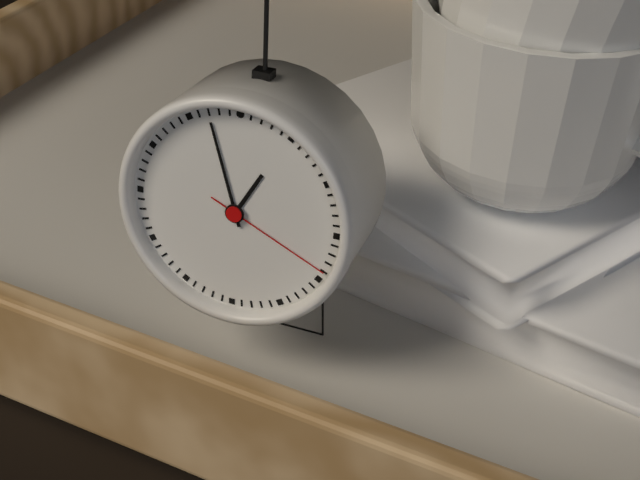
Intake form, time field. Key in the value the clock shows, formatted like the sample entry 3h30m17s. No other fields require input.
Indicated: 12h57m19s
